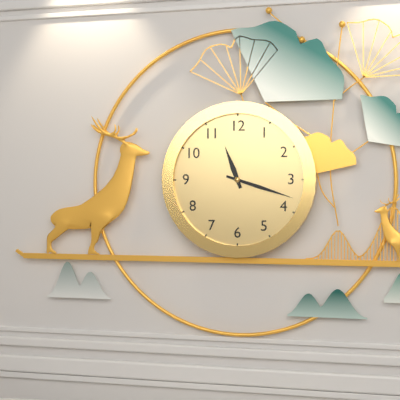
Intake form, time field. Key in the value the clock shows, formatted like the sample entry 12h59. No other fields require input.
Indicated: 11h18
